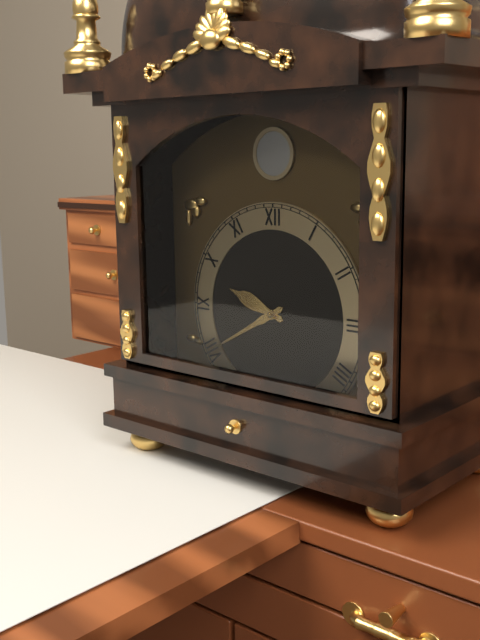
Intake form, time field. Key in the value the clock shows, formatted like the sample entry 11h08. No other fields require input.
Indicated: 9h40
